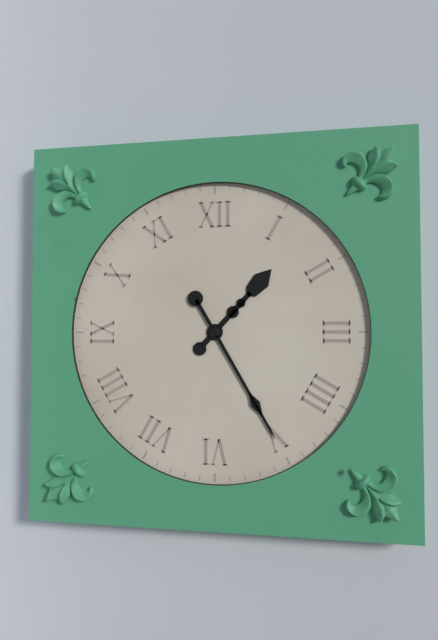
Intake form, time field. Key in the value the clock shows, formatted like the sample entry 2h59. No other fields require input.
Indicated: 1h25
